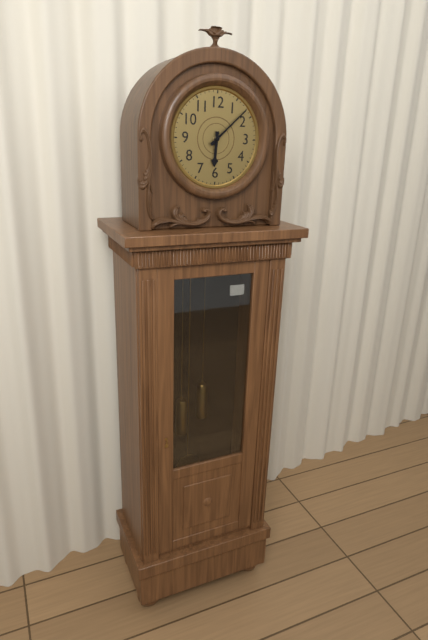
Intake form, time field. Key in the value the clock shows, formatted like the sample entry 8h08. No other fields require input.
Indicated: 6h08
